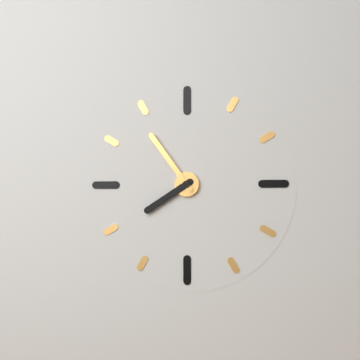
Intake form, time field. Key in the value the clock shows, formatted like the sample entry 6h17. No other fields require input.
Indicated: 7h54
